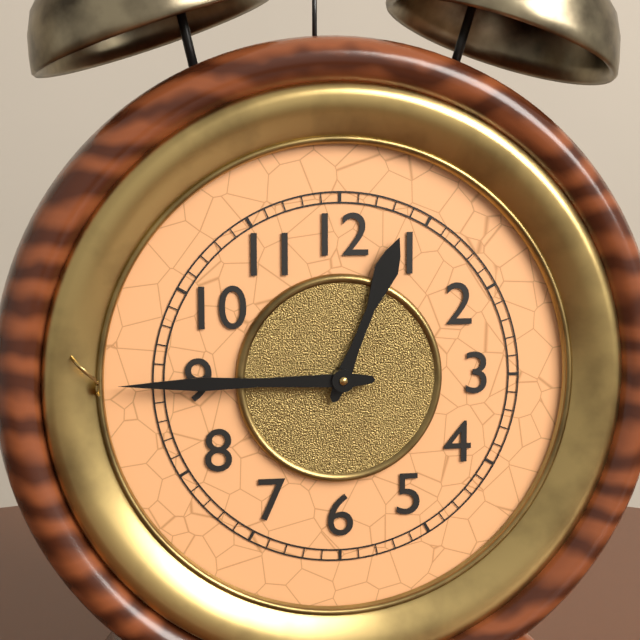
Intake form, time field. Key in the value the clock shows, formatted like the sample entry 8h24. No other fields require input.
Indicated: 12h45
